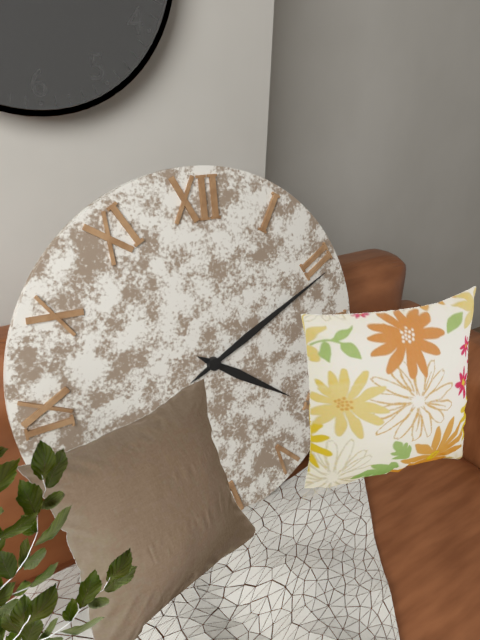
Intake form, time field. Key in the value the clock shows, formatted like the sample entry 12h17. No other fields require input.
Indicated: 4h11
